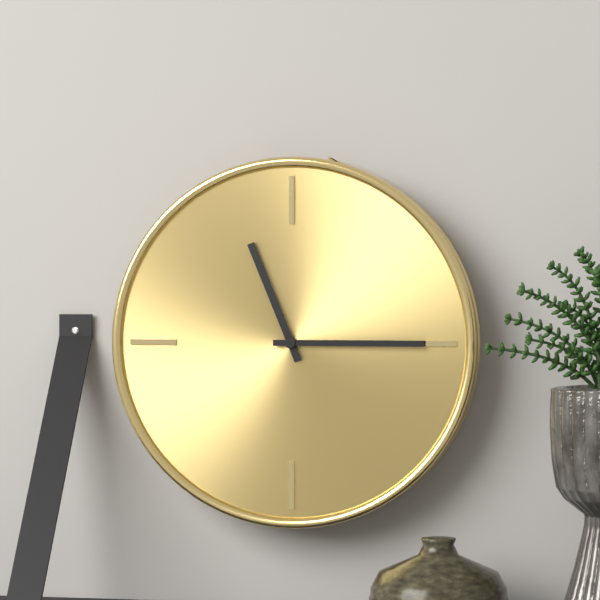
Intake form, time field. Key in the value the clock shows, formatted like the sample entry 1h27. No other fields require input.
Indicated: 11h15
